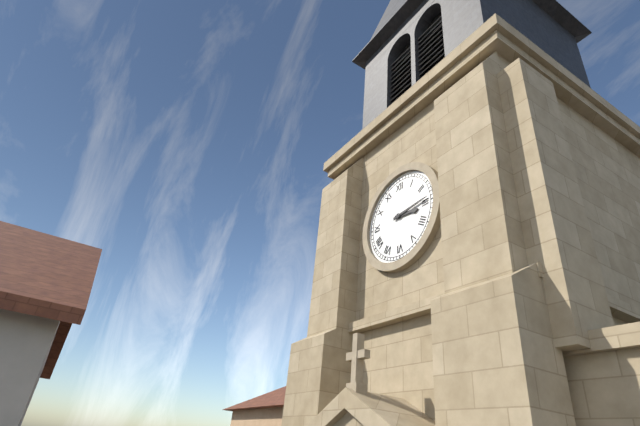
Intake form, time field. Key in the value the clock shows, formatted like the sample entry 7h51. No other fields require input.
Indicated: 3h14
